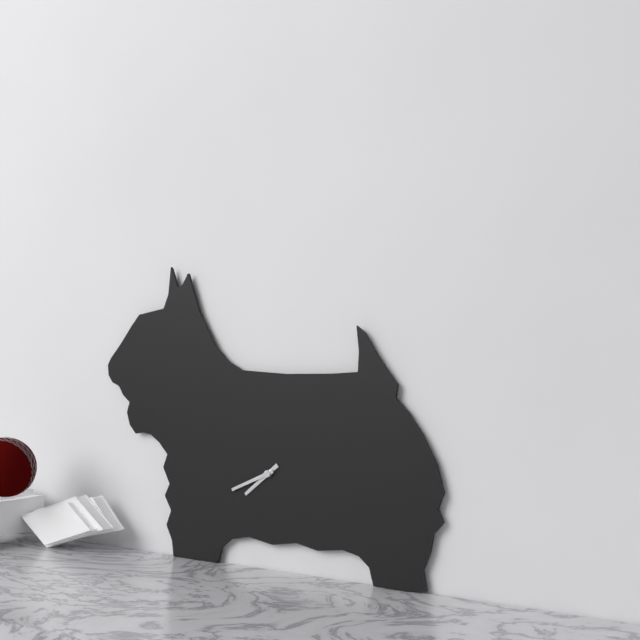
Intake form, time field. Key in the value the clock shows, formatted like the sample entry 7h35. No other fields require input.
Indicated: 7h41
